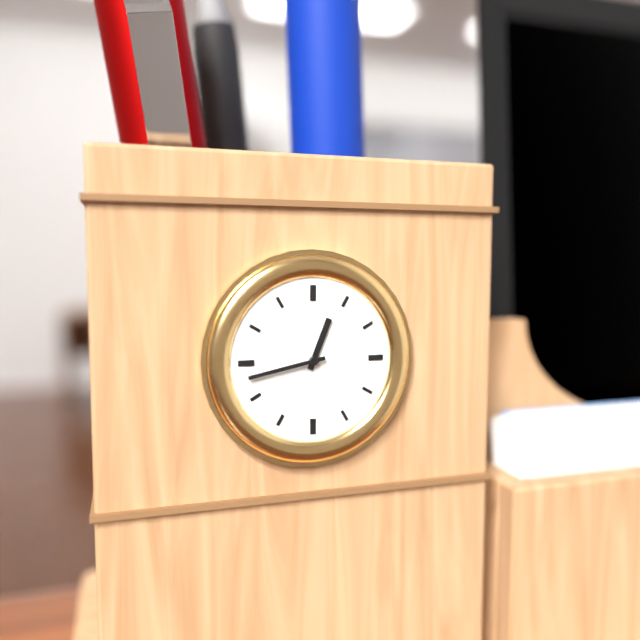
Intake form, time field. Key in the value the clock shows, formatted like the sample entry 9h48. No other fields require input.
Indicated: 12h43
